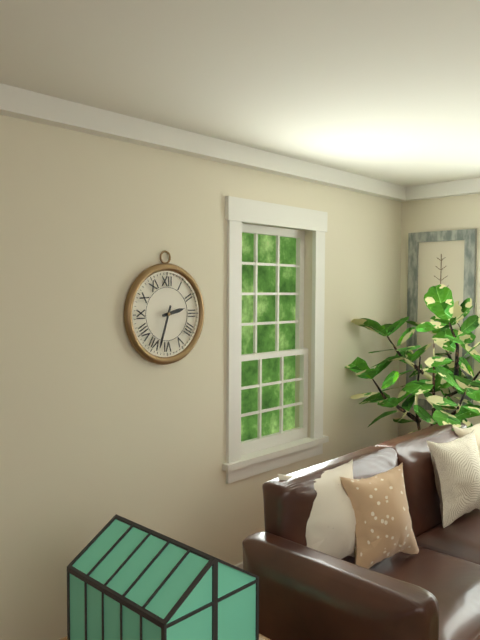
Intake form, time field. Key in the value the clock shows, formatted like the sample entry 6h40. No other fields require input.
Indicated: 2h33
